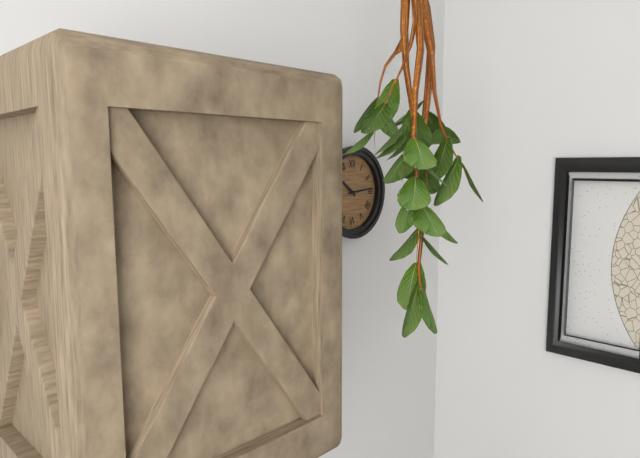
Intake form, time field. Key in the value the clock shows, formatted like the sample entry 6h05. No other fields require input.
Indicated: 10h14
